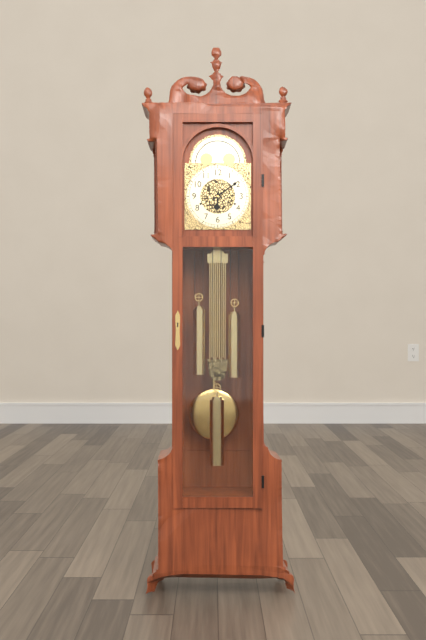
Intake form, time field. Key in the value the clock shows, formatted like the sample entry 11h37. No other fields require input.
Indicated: 6h09
